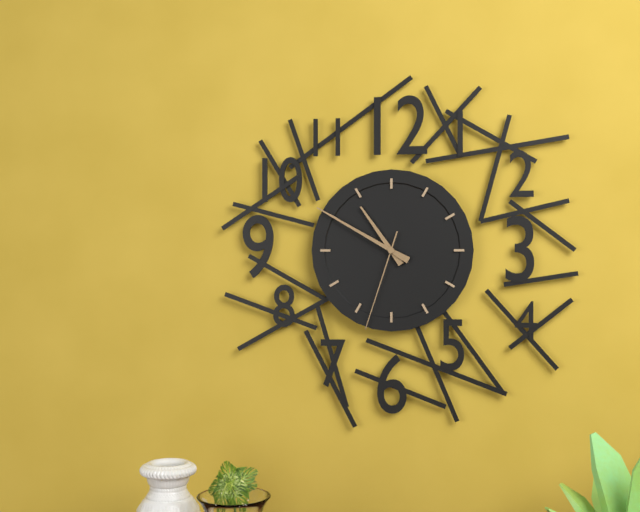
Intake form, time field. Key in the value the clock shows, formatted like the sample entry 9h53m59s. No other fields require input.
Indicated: 10h50m33s
